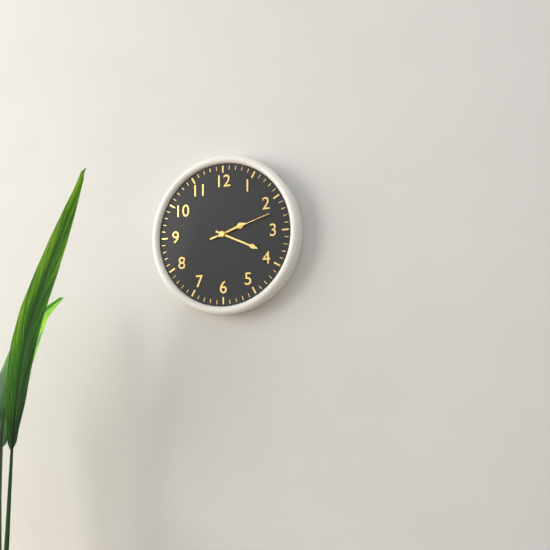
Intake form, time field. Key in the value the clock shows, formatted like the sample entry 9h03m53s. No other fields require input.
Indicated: 2h19m12s
